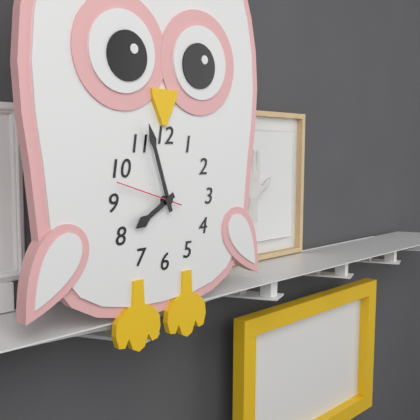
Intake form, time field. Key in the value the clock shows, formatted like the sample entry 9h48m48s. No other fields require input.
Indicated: 7h57m48s
